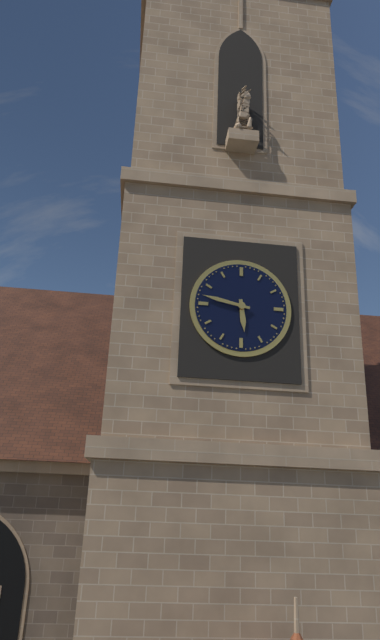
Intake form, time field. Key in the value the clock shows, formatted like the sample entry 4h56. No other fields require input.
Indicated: 5h47
